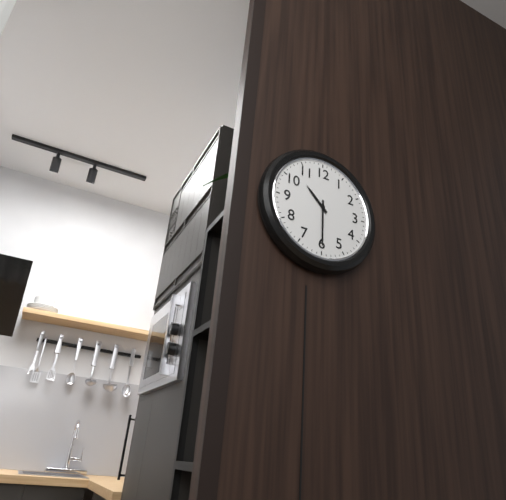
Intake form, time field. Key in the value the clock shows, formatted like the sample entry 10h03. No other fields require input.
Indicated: 10h30
